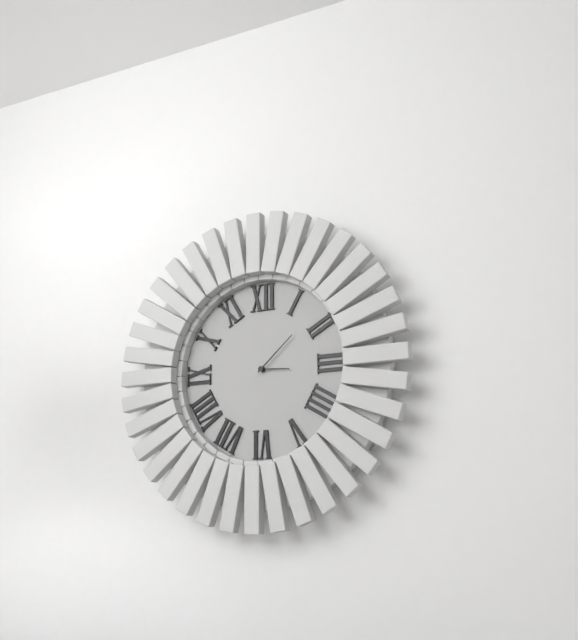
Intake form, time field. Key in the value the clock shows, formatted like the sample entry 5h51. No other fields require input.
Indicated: 3h08
